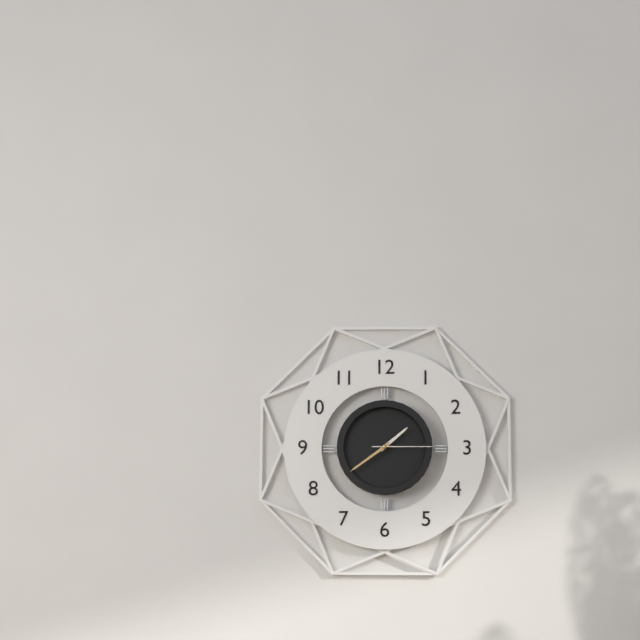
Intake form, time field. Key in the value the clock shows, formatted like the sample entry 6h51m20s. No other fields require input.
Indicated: 1h39m15s
